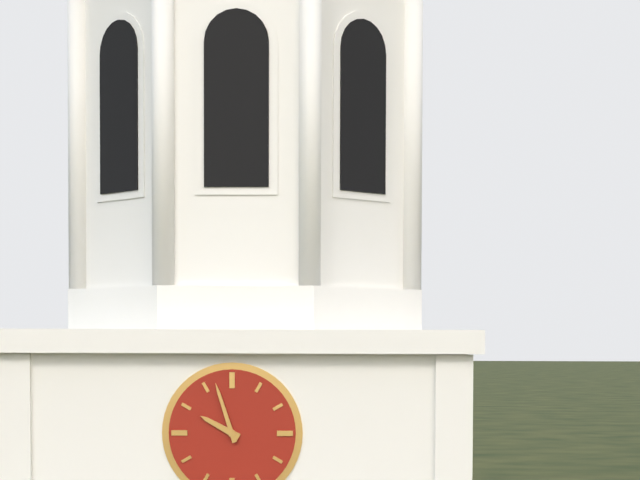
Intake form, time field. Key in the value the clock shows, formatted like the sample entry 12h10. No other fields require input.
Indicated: 9h57
